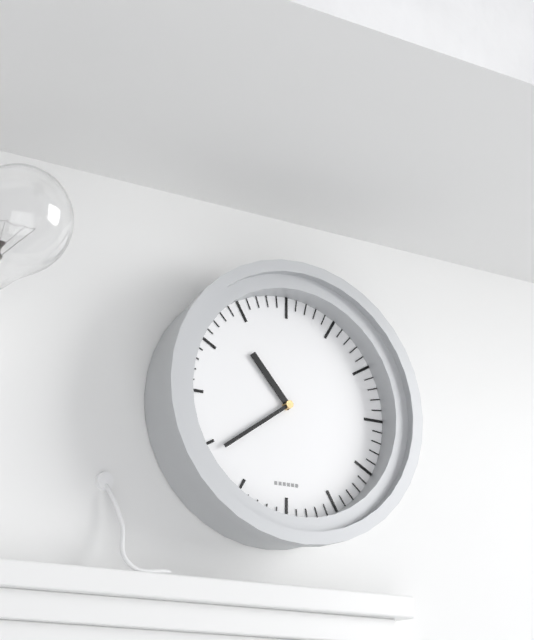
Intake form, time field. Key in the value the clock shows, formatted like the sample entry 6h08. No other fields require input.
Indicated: 10h39
